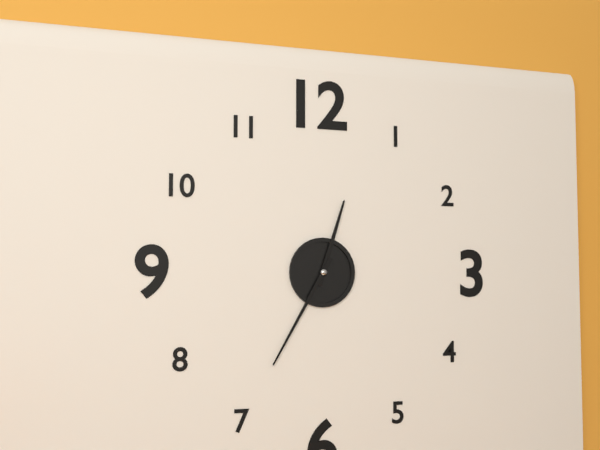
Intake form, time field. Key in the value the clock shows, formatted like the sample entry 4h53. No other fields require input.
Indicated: 12h35
